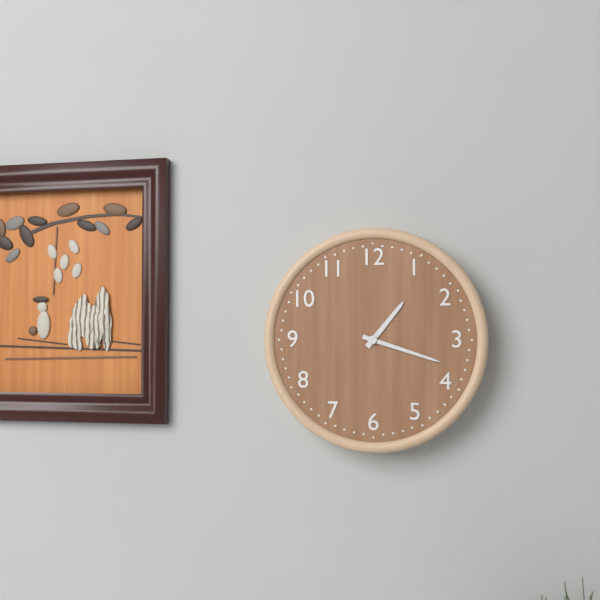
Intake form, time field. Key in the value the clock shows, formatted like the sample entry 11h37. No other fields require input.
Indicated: 1h18
